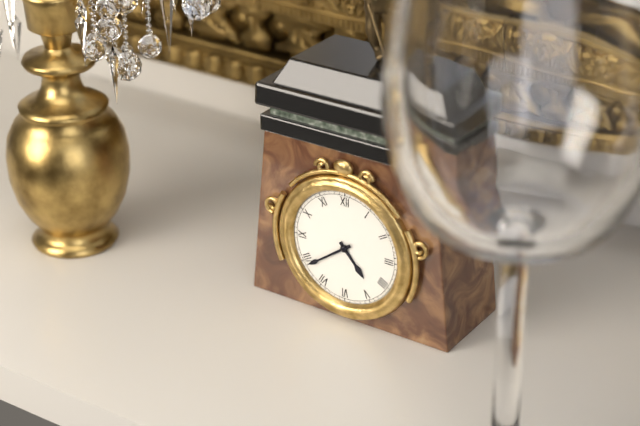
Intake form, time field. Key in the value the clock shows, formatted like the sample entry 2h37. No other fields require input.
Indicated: 4h39
